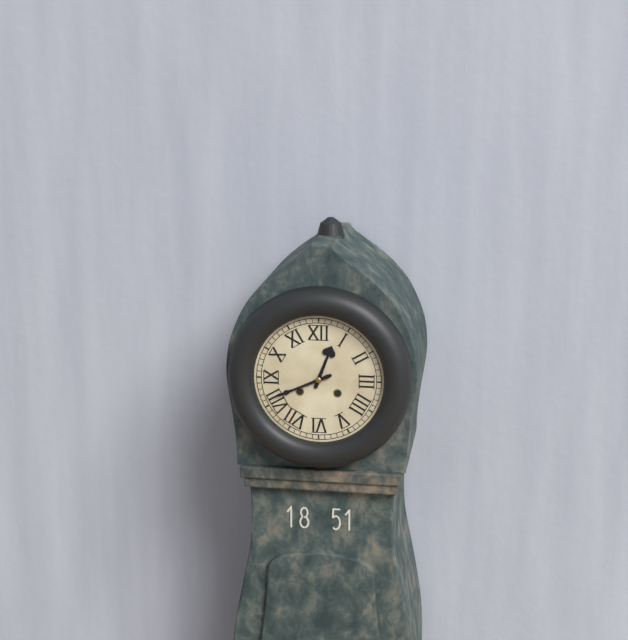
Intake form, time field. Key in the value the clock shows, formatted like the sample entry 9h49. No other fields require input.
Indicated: 12h41
